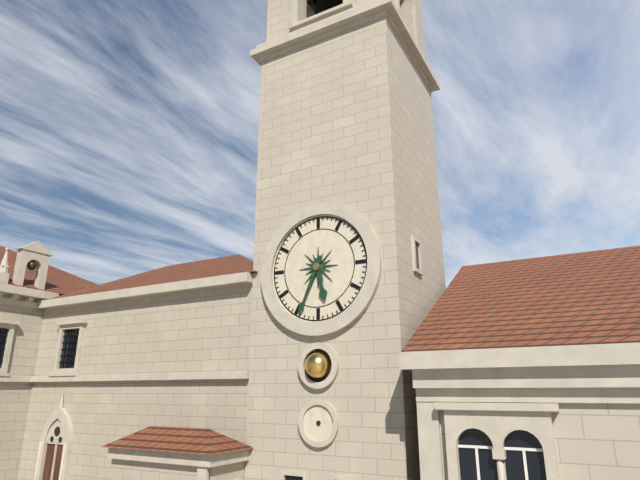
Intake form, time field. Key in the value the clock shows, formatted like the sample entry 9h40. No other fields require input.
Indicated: 5h34
